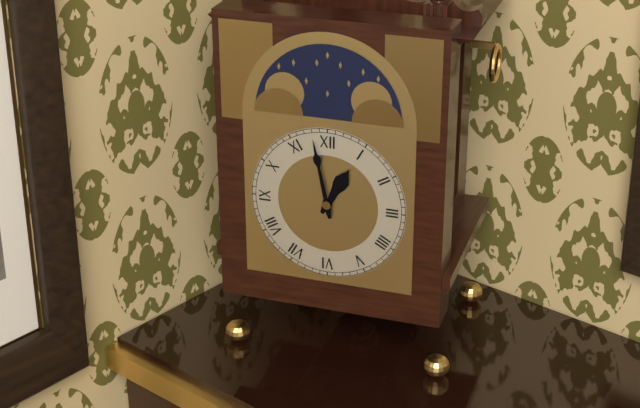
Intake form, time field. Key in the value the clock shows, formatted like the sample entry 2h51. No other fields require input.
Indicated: 12h58
